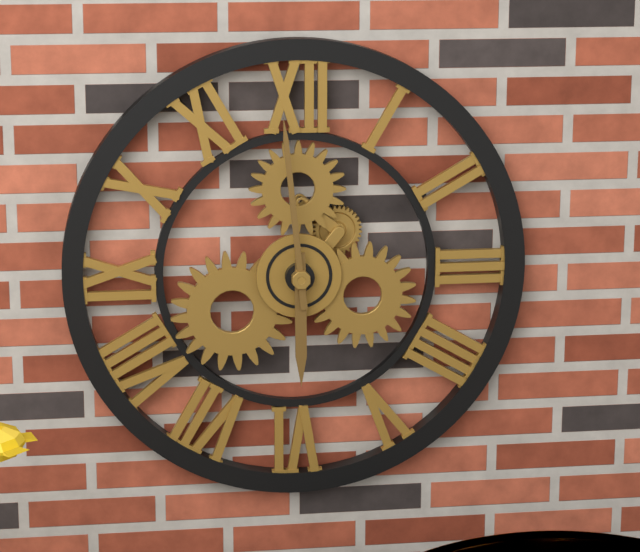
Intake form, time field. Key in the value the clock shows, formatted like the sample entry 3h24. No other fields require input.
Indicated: 5h59
